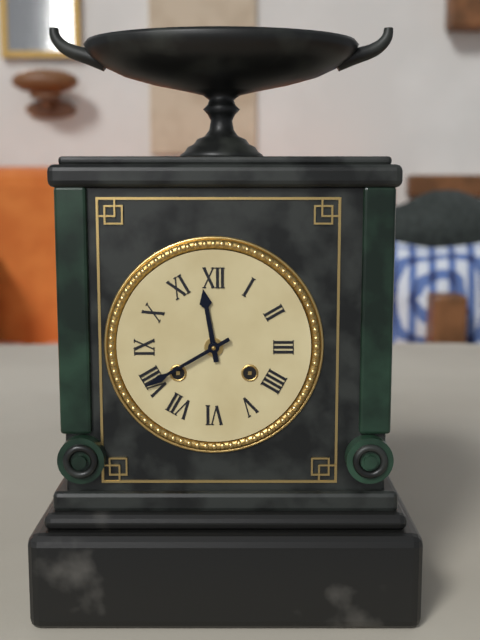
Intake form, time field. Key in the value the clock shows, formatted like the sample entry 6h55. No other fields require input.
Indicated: 11h40
